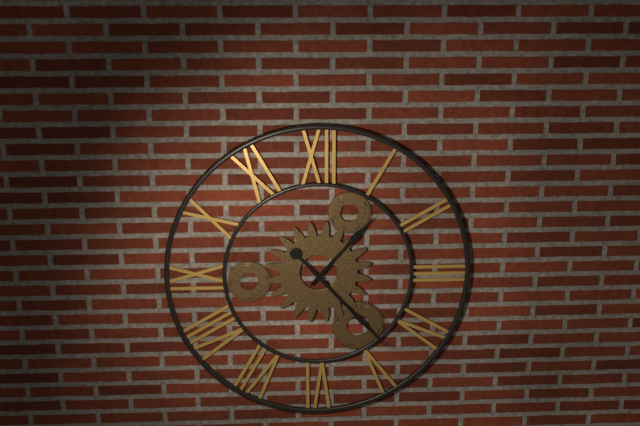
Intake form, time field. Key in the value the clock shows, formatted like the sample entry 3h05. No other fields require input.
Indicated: 1h23
